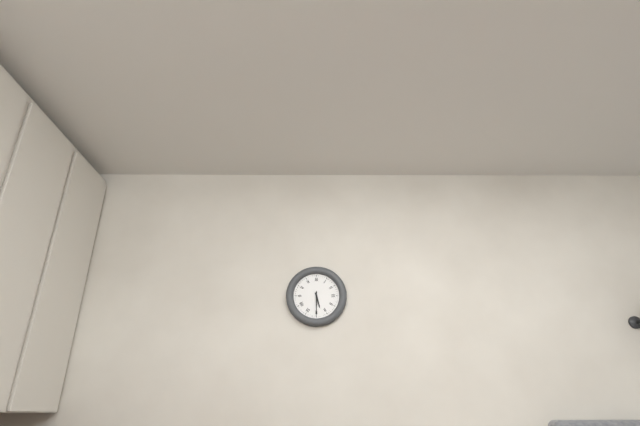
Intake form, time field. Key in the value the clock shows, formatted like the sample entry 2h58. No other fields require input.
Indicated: 5h30
